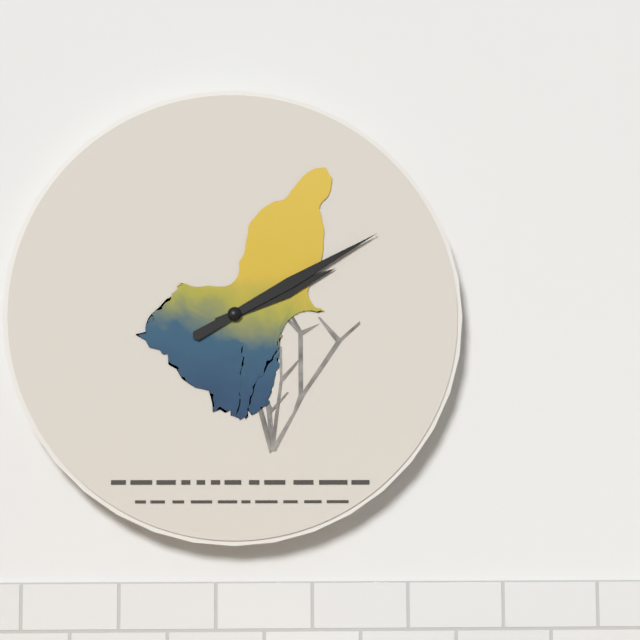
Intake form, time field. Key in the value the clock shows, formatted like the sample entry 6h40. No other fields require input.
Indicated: 2h10
